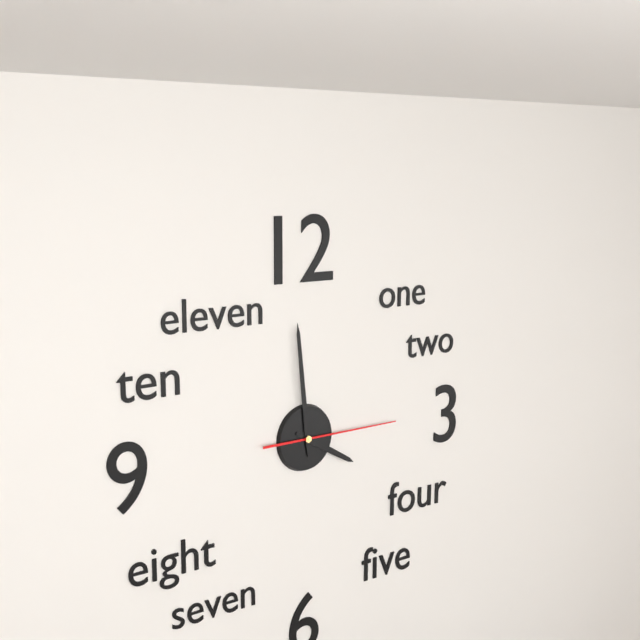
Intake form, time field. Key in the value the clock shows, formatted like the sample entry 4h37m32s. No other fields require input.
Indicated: 3h59m15s
